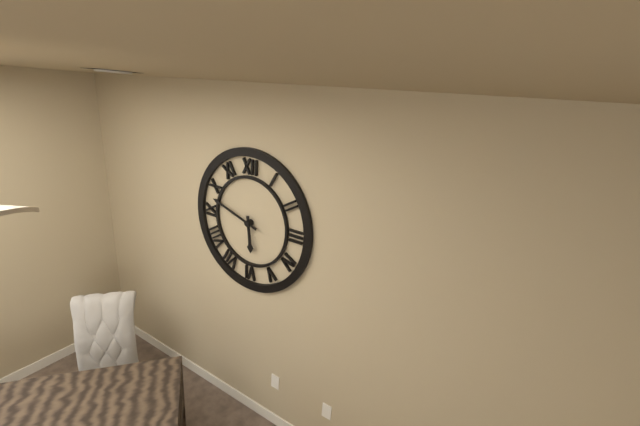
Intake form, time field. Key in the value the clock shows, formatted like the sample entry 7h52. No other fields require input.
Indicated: 5h48
